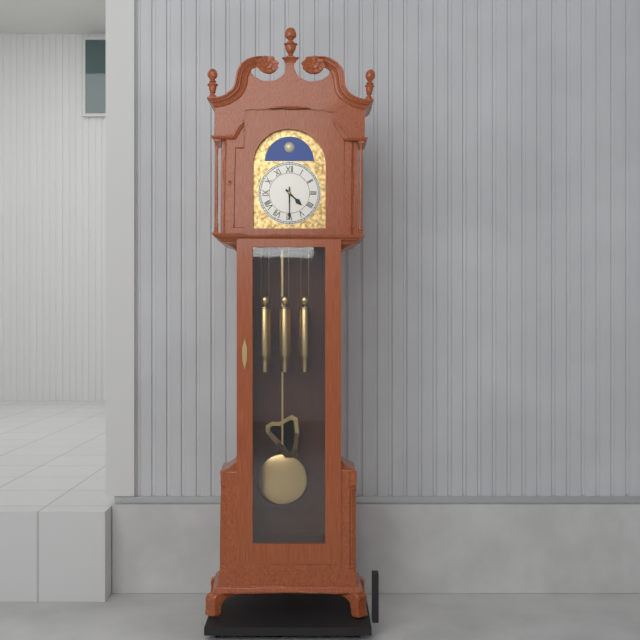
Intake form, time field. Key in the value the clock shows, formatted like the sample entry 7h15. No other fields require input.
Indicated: 4h30
